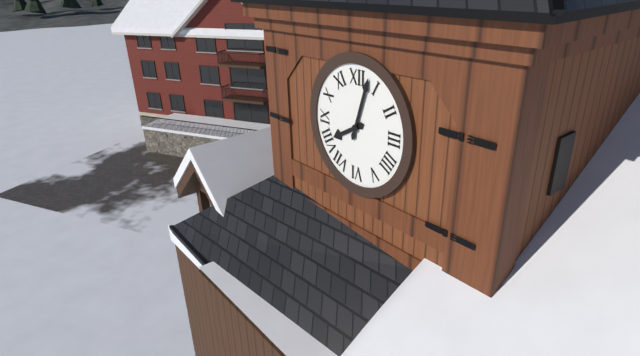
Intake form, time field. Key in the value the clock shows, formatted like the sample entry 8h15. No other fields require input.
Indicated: 8h03
